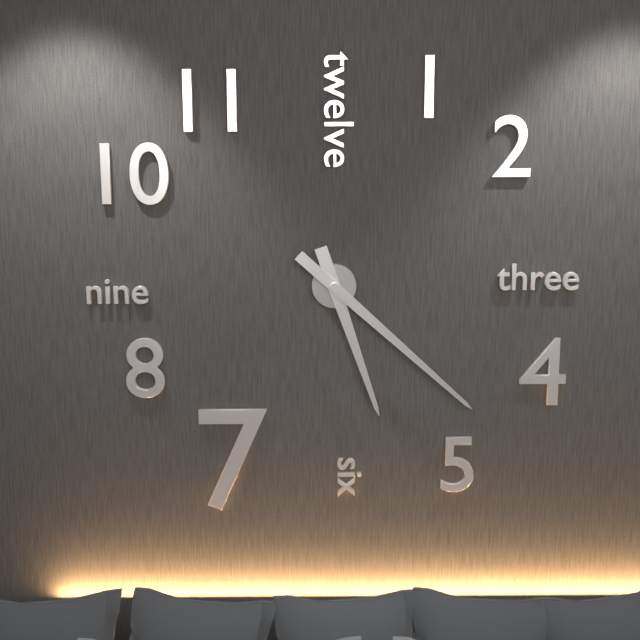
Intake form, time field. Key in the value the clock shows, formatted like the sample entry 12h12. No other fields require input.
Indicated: 5h22
